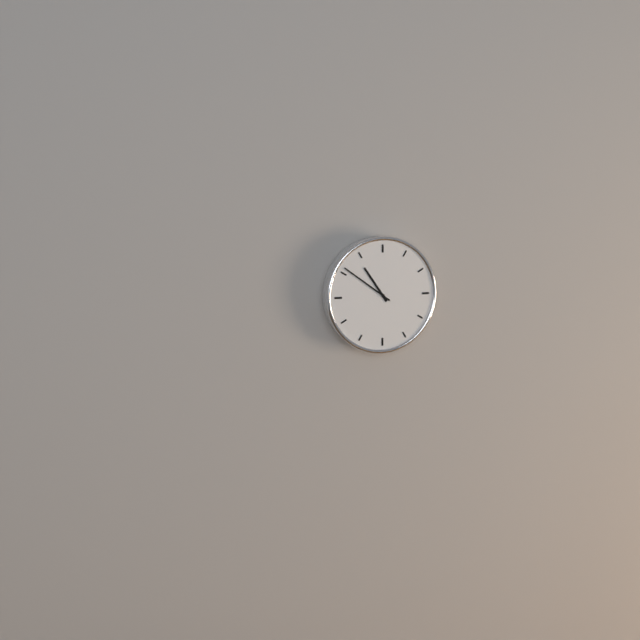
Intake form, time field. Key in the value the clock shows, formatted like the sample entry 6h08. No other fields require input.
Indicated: 10h51
